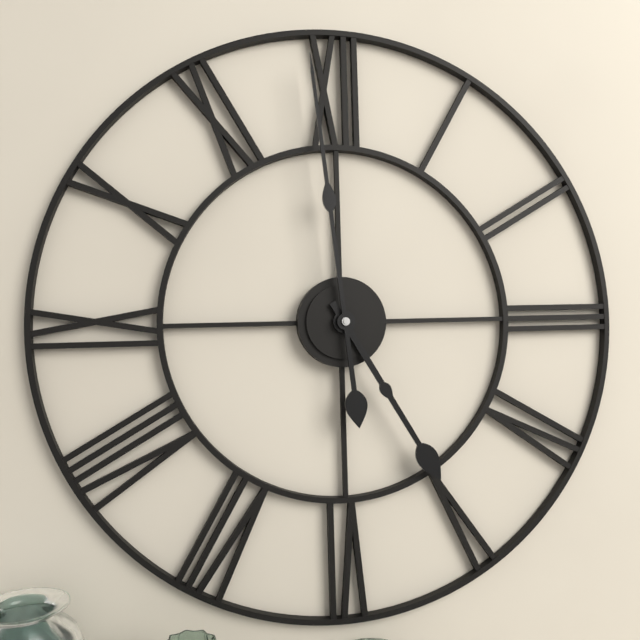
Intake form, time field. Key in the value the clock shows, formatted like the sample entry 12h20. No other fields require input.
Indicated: 4h59
